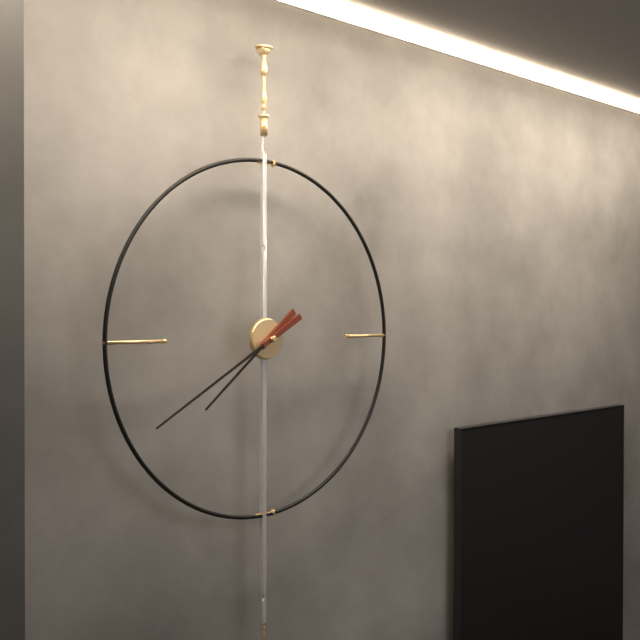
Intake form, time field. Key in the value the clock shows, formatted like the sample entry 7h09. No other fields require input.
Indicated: 7h40
